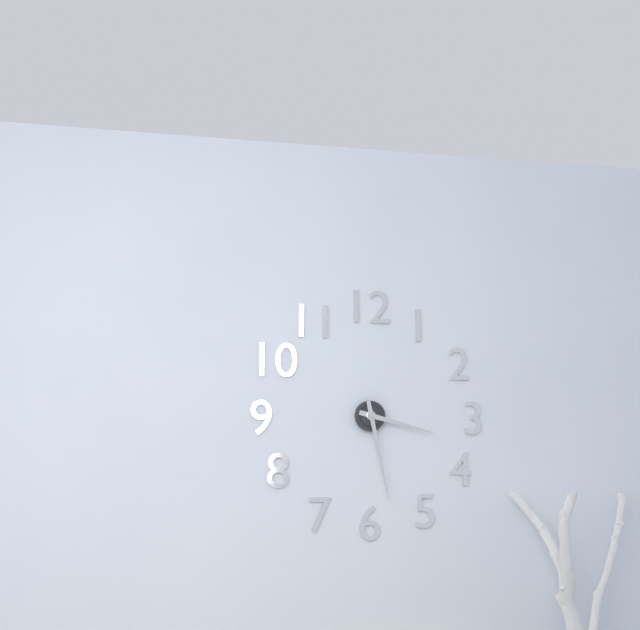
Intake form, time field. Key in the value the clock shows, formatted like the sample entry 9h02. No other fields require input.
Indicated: 3h28
